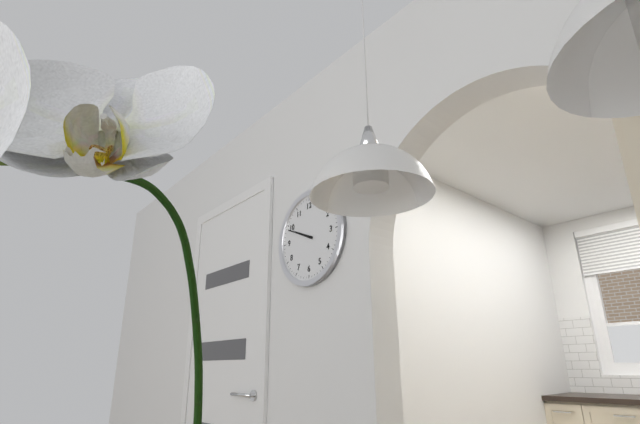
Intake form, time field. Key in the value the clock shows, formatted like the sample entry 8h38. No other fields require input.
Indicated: 9h49
